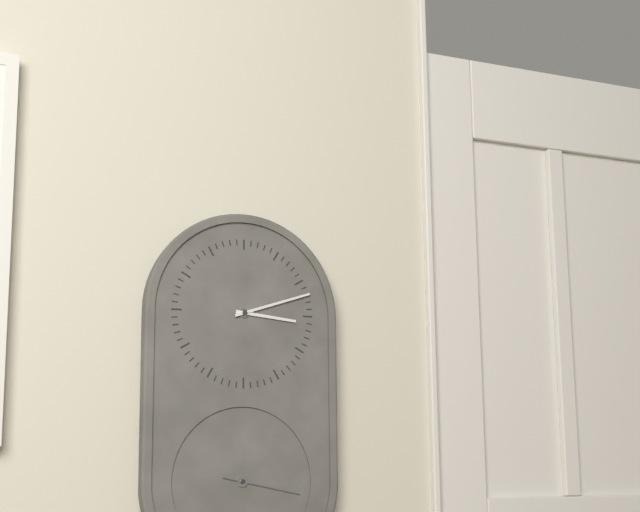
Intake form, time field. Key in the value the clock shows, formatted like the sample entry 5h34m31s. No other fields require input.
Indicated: 3h12m17s
